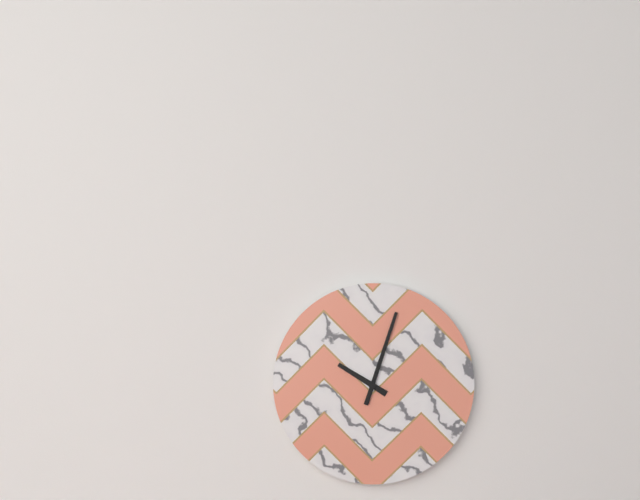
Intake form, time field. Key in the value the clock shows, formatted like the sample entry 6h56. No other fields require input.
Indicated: 10h03
